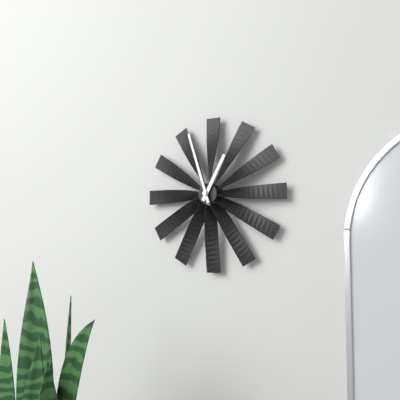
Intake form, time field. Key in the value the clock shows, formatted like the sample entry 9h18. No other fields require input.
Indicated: 12h57
